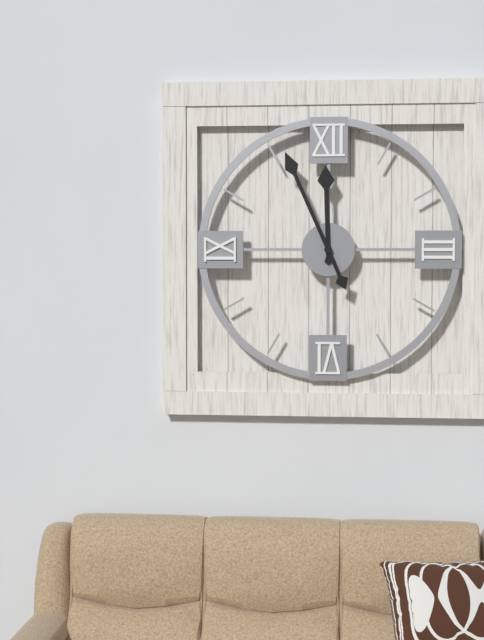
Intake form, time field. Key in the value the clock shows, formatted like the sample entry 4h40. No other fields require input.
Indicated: 11h56
